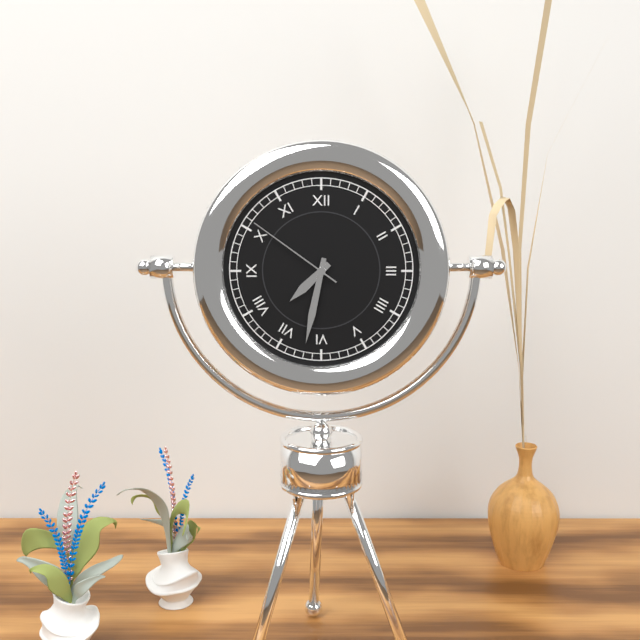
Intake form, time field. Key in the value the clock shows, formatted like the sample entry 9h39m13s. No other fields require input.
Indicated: 7h32m51s
